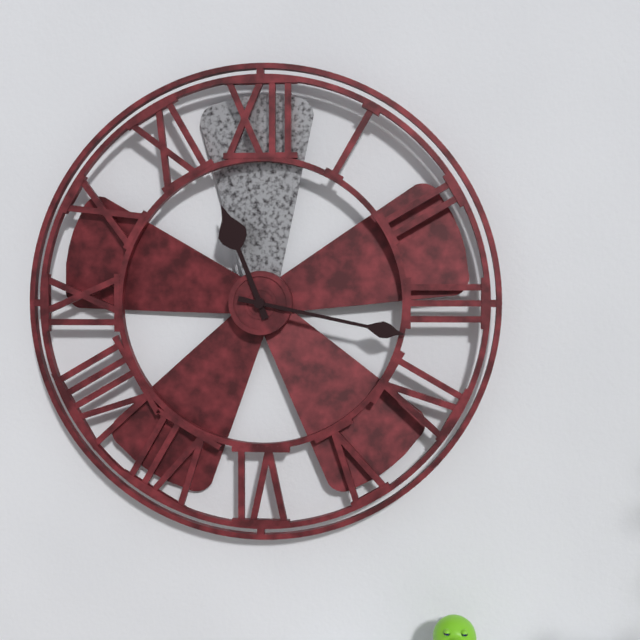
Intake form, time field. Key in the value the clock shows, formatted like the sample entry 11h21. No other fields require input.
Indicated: 11h17
